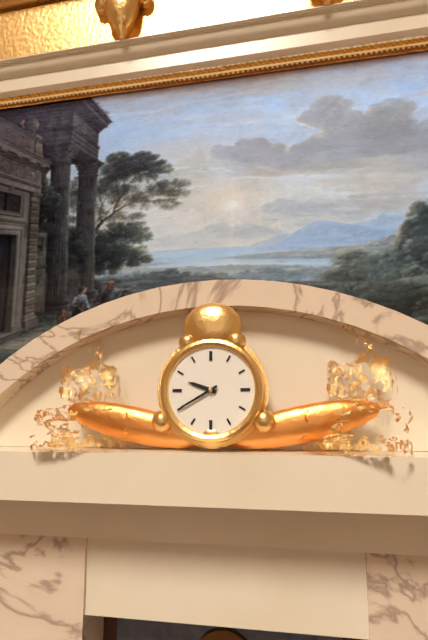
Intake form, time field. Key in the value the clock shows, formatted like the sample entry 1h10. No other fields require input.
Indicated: 9h40
